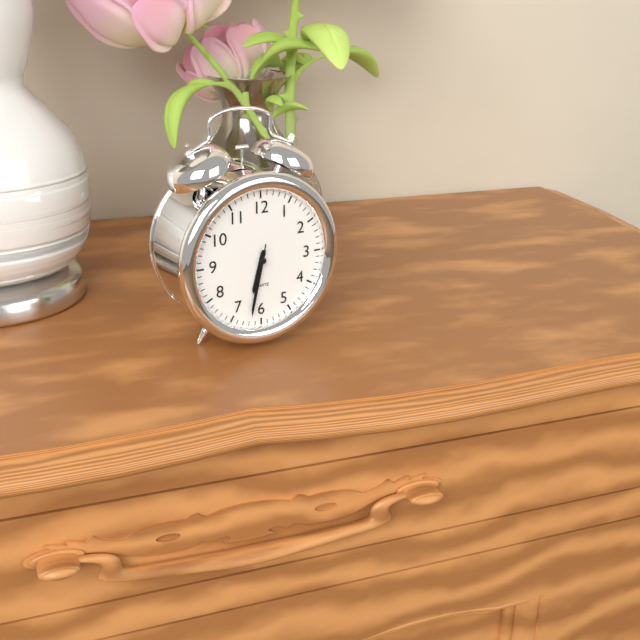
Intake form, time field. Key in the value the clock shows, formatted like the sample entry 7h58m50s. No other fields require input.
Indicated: 6h32m32s
